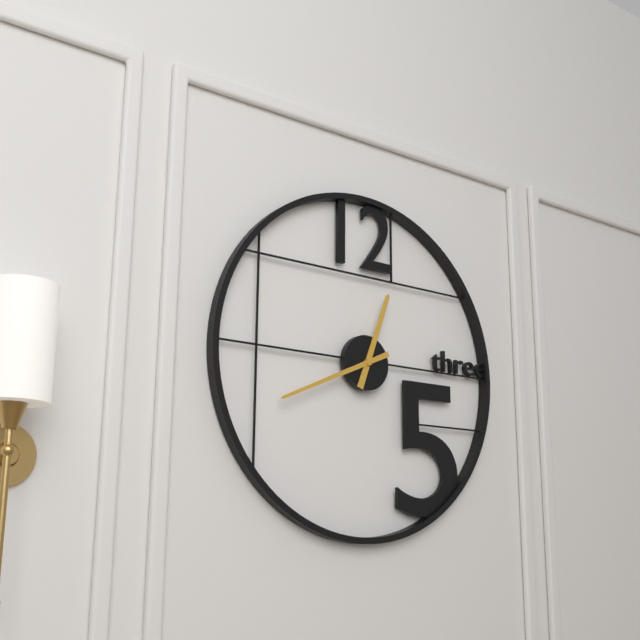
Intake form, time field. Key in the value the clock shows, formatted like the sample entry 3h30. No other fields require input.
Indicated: 12h41
